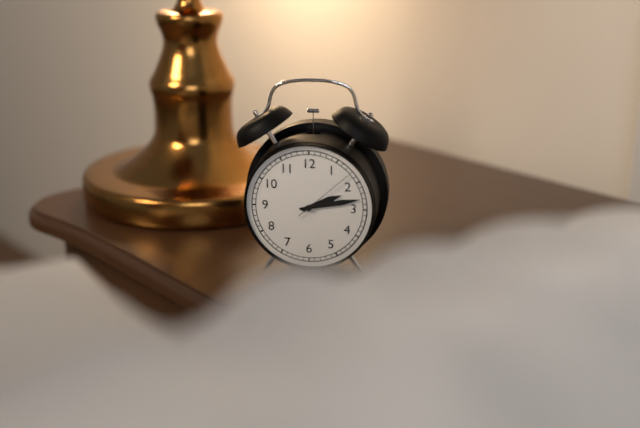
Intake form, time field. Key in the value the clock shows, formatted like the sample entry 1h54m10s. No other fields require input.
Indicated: 2h13m08s
